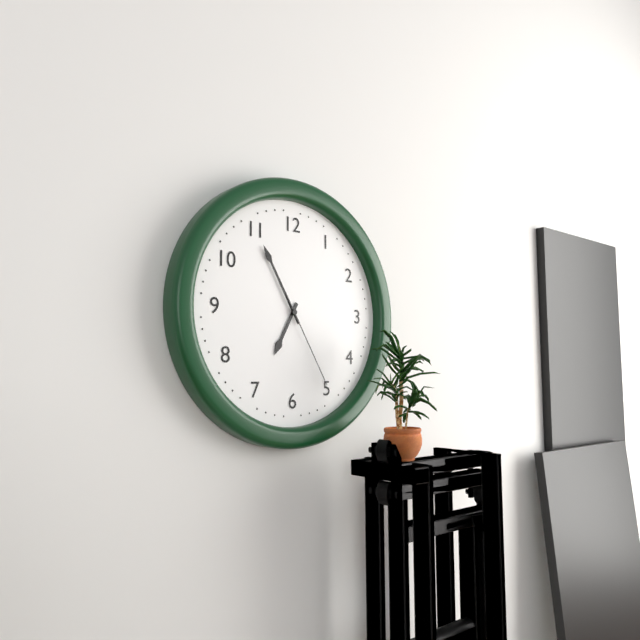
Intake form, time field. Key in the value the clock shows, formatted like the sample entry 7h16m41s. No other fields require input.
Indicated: 6h55m25s
